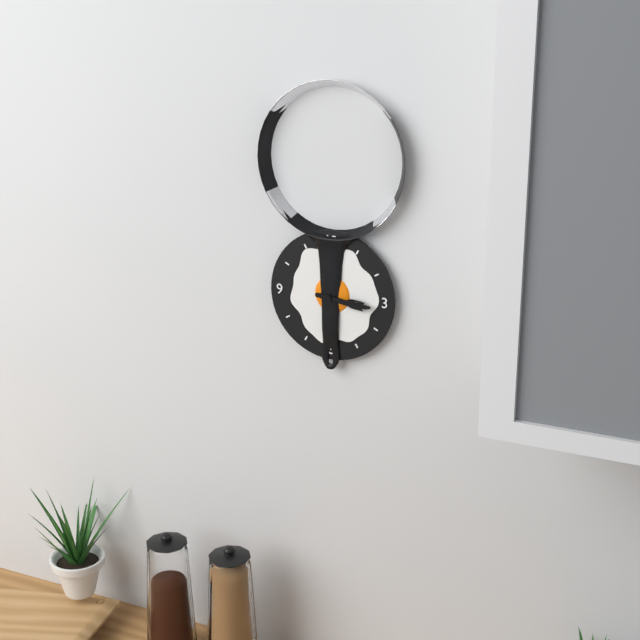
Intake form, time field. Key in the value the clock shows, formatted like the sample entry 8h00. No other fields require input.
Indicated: 3h16
